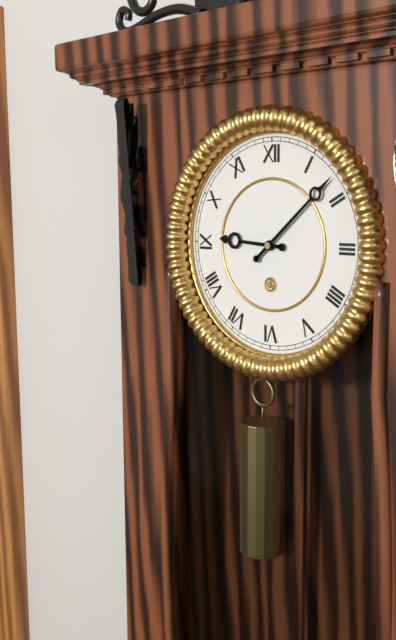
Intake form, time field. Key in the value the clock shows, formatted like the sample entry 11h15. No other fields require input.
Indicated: 9h08
